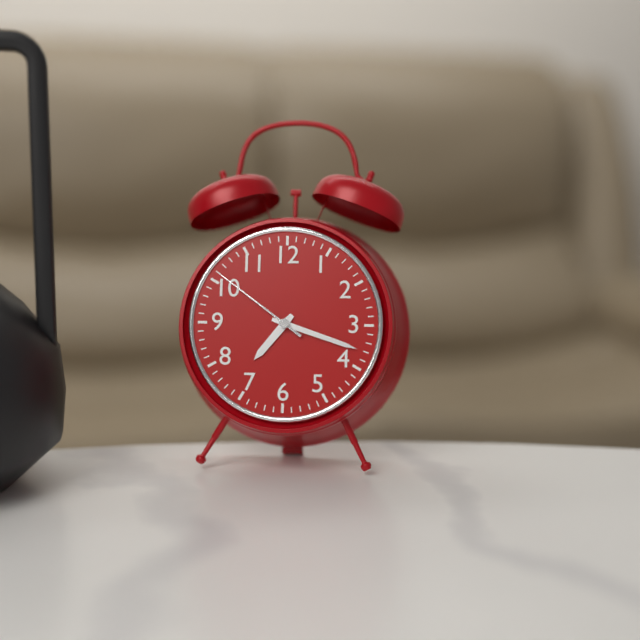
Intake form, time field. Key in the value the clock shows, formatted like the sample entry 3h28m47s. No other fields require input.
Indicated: 7h18m51s
